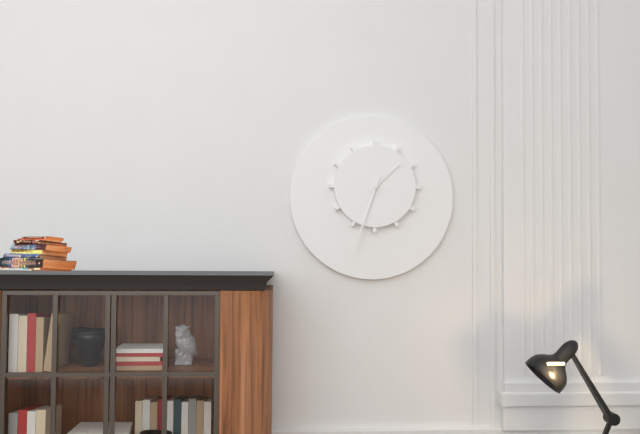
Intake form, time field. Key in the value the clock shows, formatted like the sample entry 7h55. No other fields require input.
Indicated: 1h33
